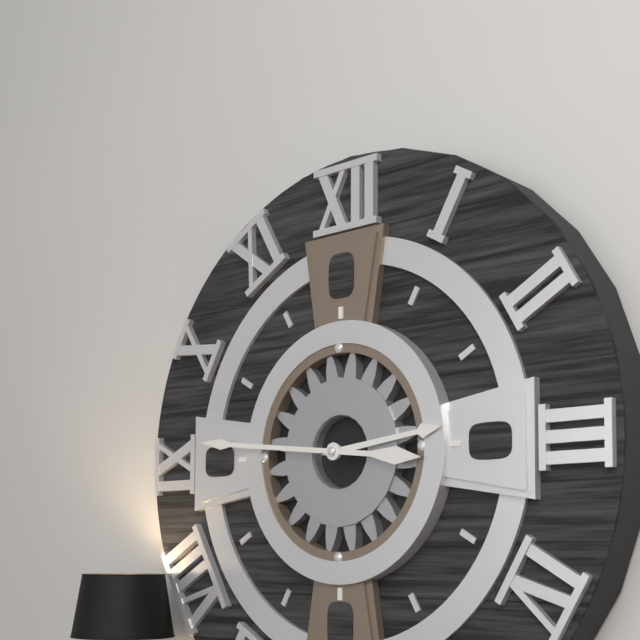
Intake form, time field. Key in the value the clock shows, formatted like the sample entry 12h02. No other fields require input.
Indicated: 2h46
